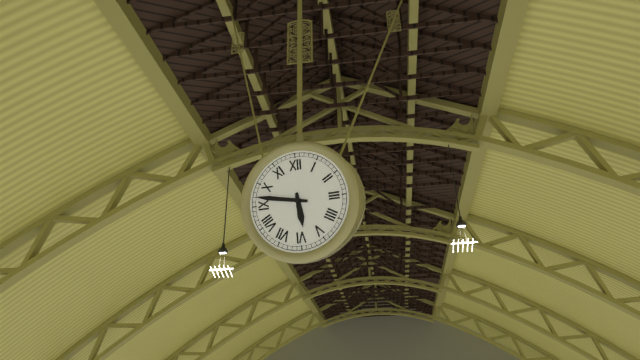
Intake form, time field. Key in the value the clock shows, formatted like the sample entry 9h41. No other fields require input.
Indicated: 5h47
